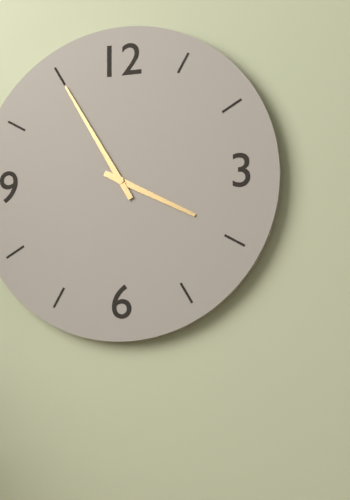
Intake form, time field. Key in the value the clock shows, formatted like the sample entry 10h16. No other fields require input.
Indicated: 3h55
